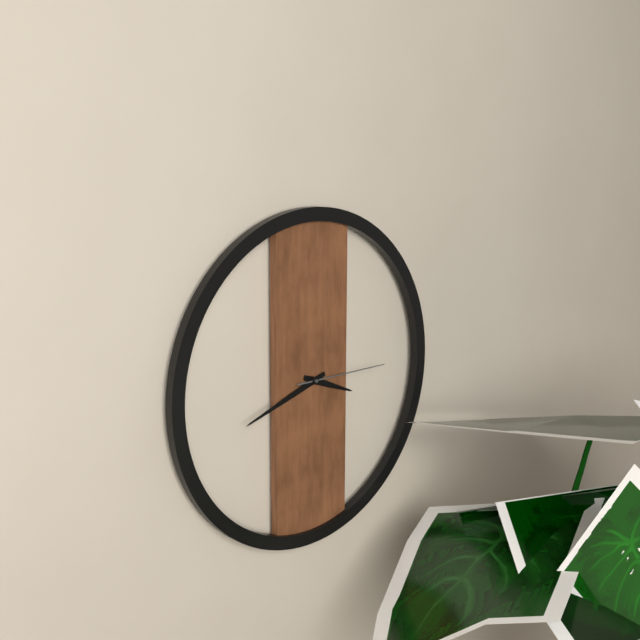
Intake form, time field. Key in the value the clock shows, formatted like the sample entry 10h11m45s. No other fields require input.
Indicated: 3h42m15s
